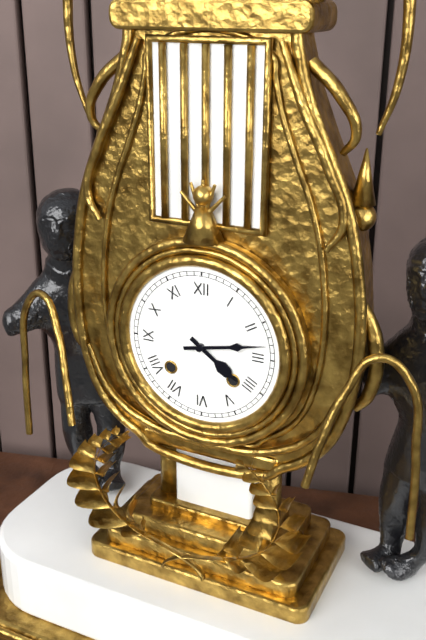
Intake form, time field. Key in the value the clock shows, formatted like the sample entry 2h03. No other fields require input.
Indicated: 4h13
